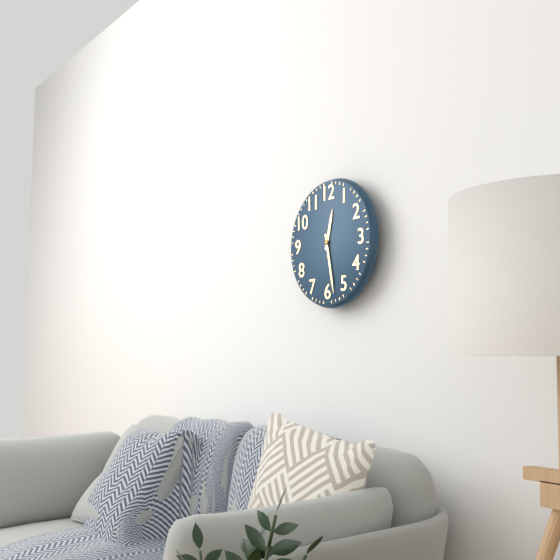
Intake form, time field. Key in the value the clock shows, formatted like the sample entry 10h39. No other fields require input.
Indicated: 12h28
